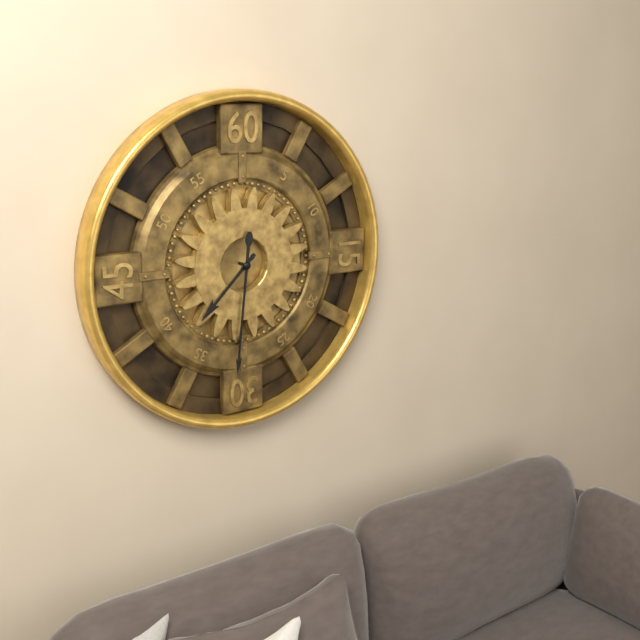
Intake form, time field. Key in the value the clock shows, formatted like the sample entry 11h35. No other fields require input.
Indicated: 7h31
